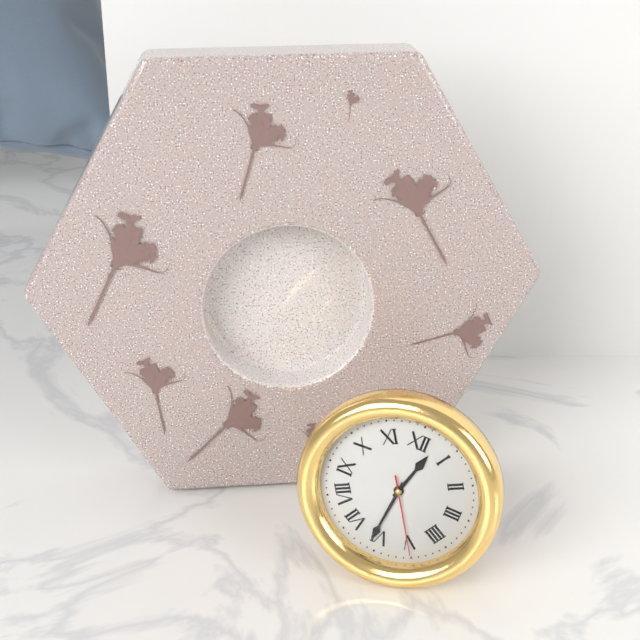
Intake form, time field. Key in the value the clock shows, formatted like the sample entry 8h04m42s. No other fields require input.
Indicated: 12h31m25s
